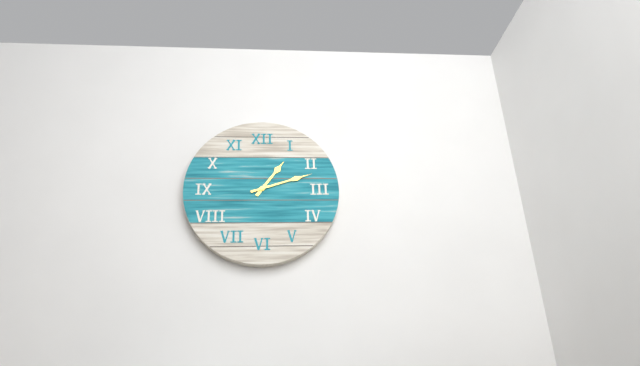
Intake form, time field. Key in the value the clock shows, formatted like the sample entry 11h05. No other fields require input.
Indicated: 1h12
